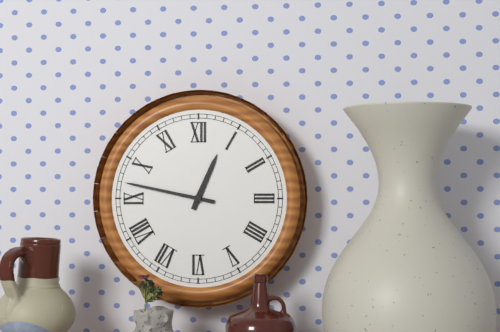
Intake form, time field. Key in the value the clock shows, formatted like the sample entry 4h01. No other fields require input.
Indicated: 12h47
